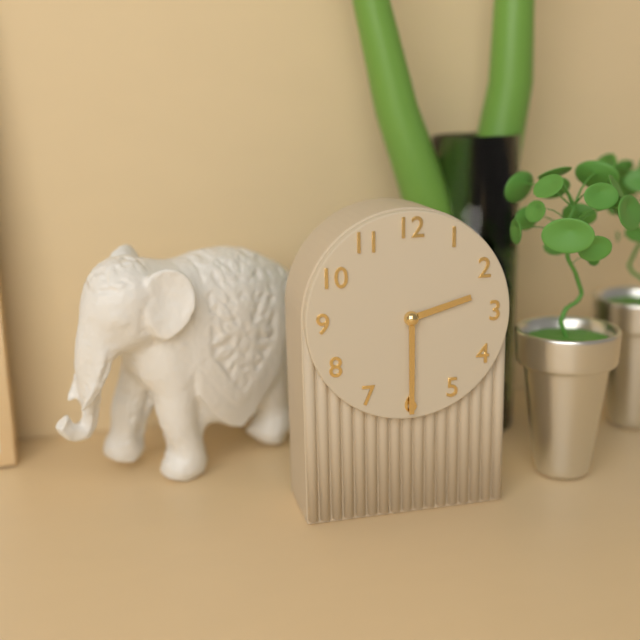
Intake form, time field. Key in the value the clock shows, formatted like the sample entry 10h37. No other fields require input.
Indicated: 2h30
